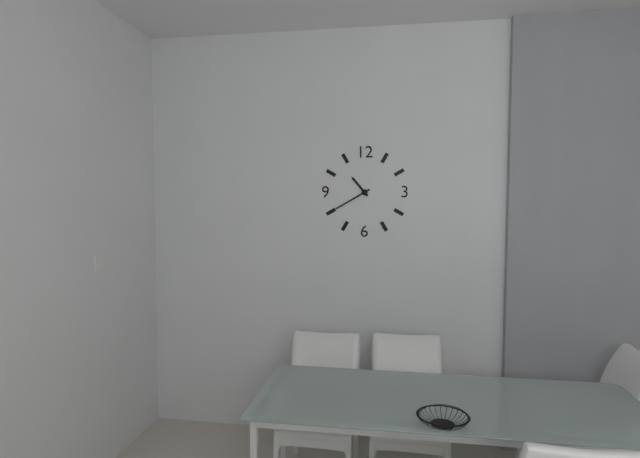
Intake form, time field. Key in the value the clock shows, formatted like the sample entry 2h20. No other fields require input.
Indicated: 10h40
